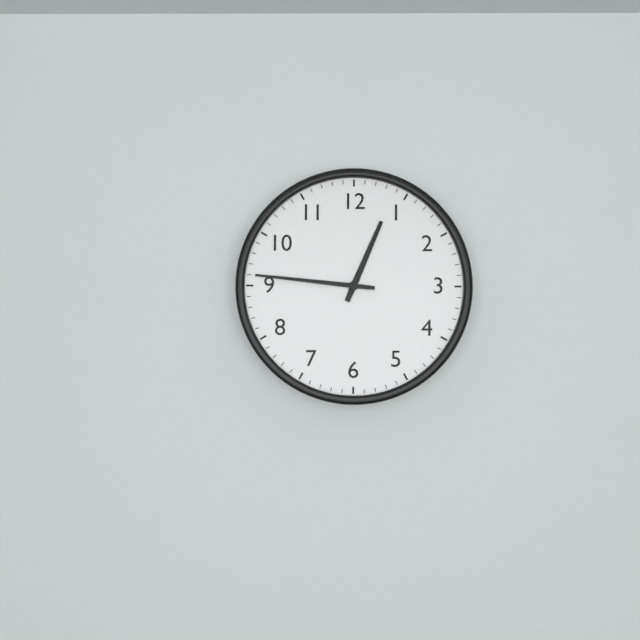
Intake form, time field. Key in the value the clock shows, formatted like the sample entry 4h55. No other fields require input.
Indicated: 12h46
